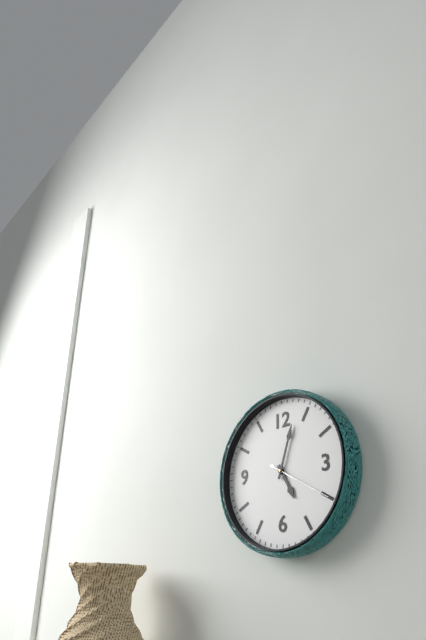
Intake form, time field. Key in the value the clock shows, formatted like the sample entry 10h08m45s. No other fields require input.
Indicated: 5h03m20s
